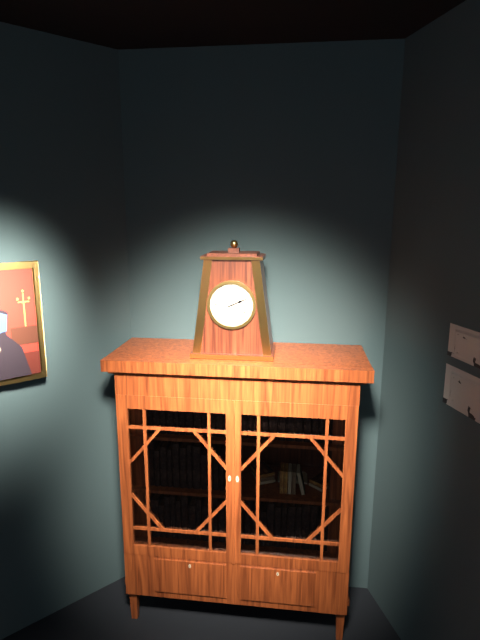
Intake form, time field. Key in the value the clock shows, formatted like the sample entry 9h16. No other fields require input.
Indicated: 2h11
